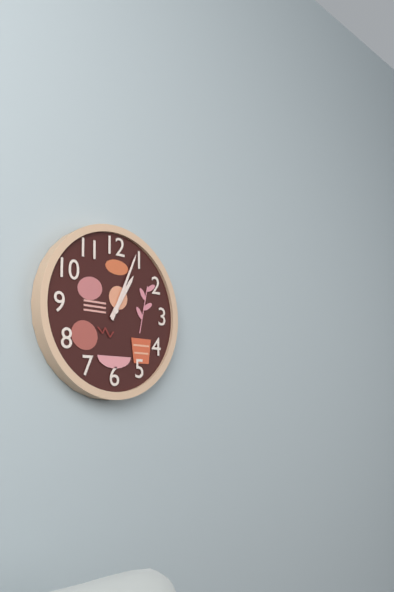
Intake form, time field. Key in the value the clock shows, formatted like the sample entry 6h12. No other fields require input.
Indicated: 1h04
